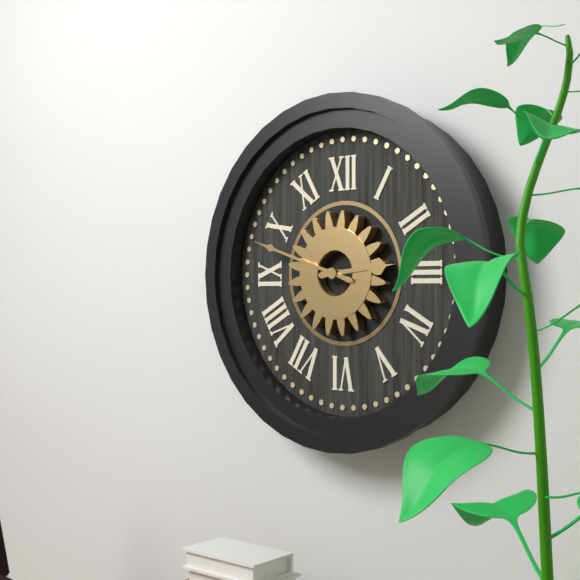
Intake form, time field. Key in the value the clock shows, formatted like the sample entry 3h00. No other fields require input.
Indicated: 2h48
